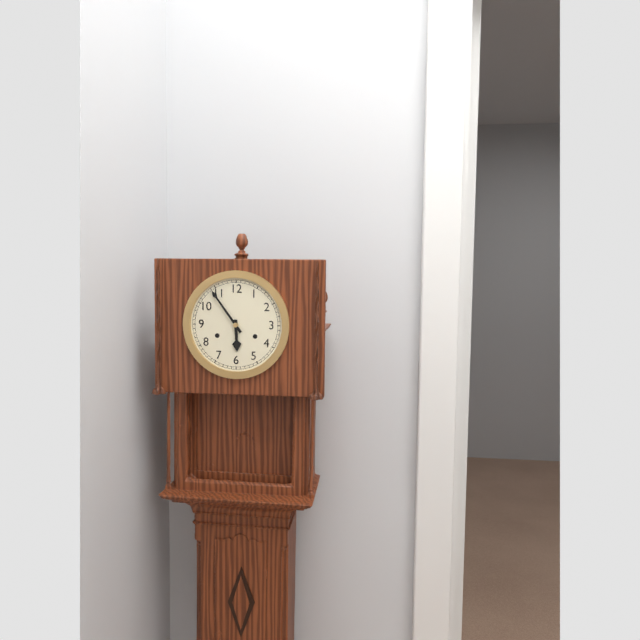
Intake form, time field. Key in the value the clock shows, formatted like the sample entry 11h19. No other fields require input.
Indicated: 5h54
